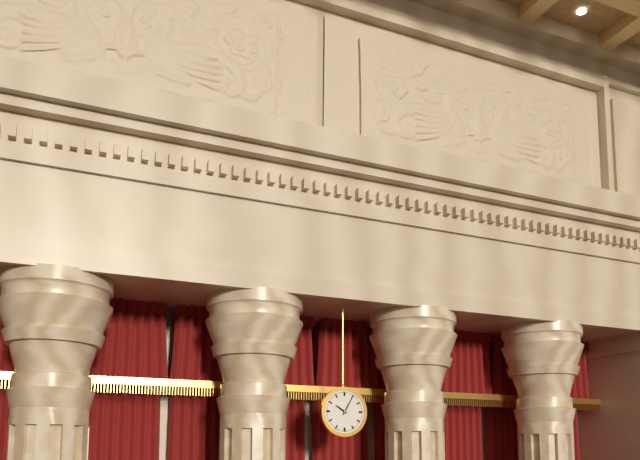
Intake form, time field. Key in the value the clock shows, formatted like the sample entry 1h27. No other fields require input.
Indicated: 10h05
